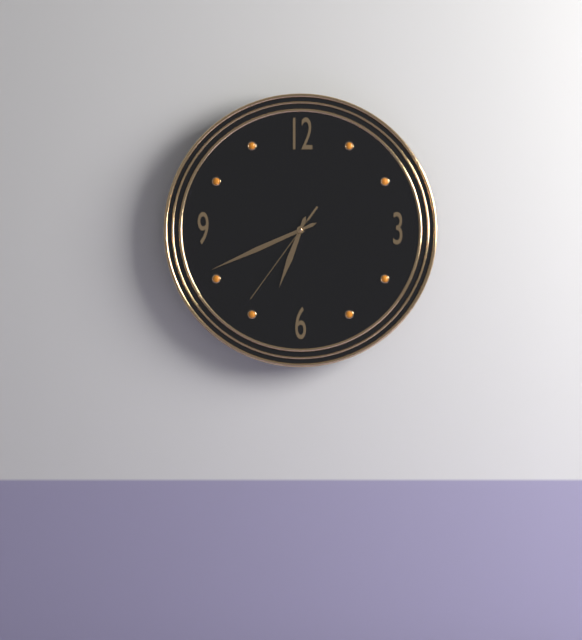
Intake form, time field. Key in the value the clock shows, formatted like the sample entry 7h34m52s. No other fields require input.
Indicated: 6h41m36s
